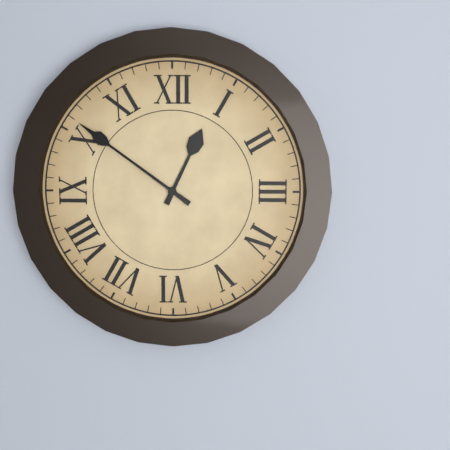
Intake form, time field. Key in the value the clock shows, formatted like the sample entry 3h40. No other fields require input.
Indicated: 12h51
